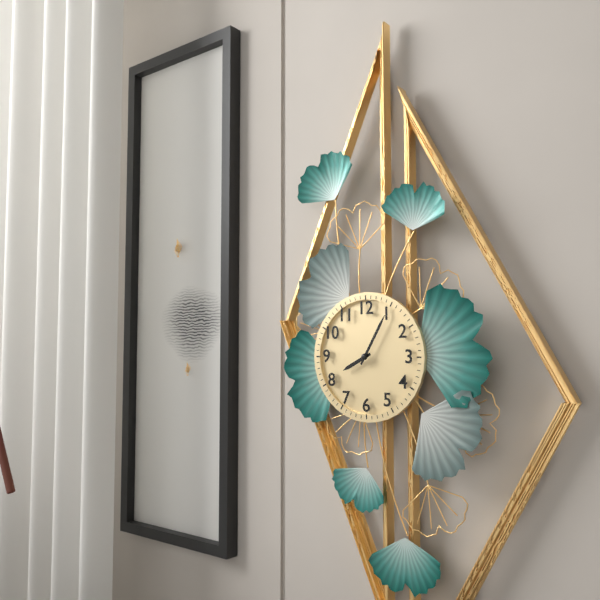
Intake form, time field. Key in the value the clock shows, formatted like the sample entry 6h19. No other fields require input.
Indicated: 8h05
